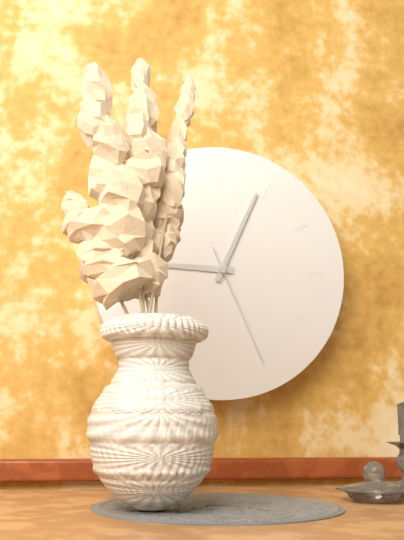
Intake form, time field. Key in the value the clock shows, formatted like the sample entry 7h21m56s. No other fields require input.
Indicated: 9h04m26s
